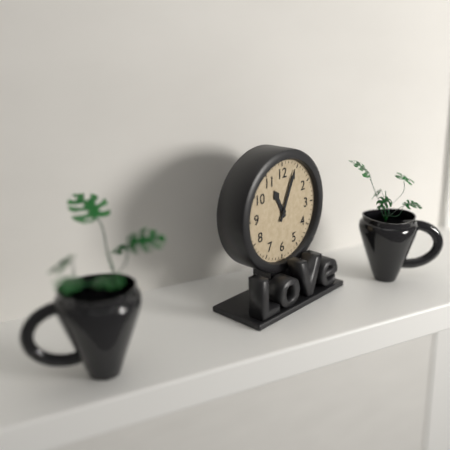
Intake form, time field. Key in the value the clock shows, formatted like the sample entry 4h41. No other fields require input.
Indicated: 11h04
